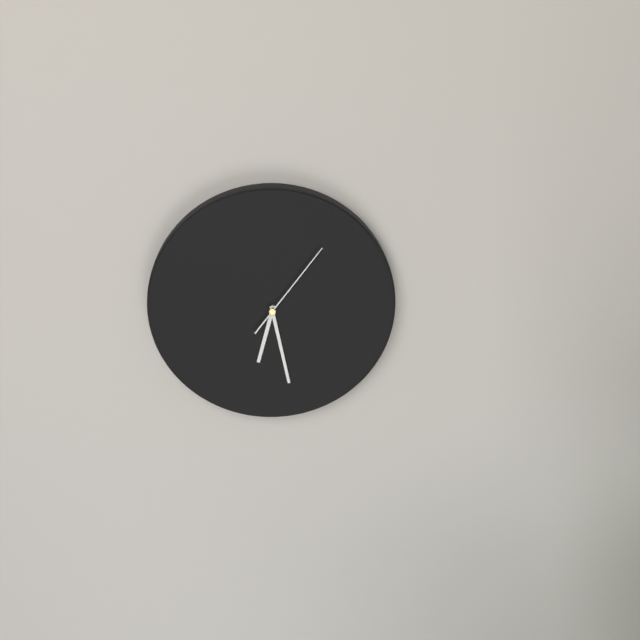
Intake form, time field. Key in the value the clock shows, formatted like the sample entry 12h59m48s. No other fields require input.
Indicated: 6h28m06s
